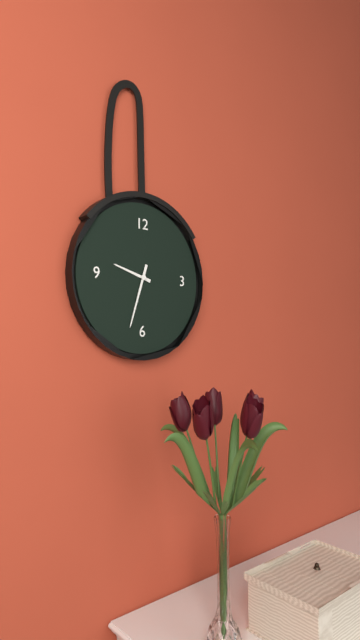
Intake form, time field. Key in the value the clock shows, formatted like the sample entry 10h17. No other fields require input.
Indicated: 9h33
